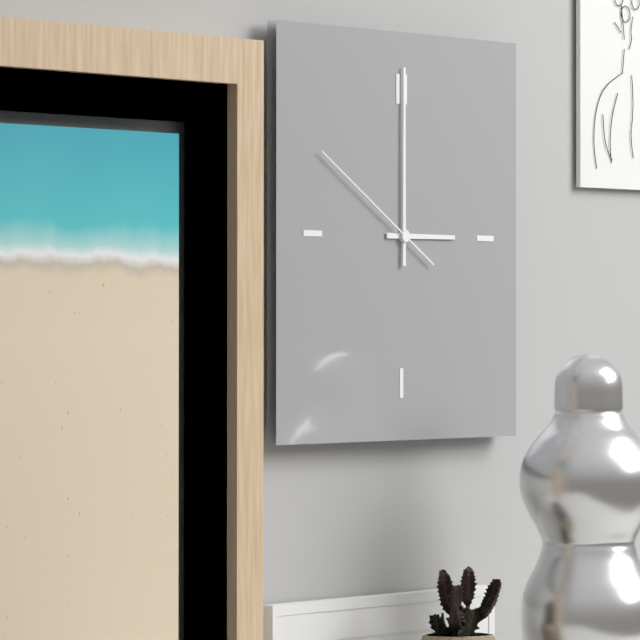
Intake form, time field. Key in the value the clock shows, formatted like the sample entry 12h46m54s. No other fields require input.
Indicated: 3h00m50s
